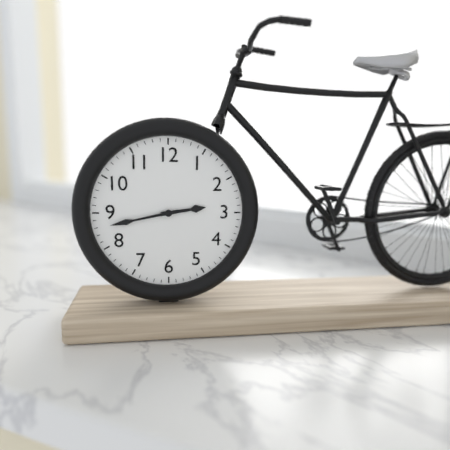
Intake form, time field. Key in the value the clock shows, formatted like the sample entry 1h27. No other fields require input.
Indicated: 2h43
